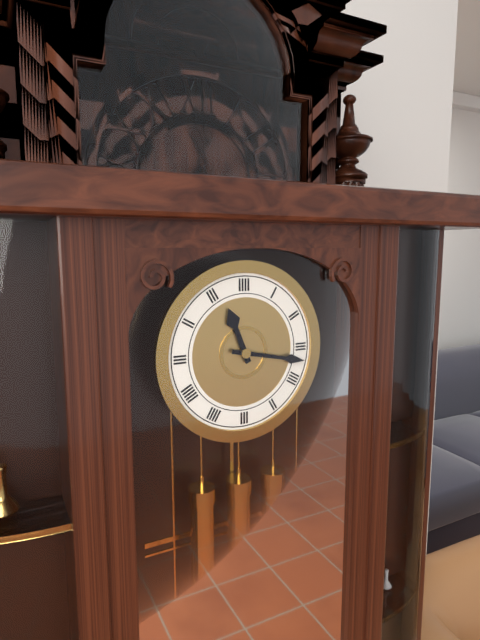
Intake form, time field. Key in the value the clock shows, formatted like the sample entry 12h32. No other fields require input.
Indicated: 11h17
